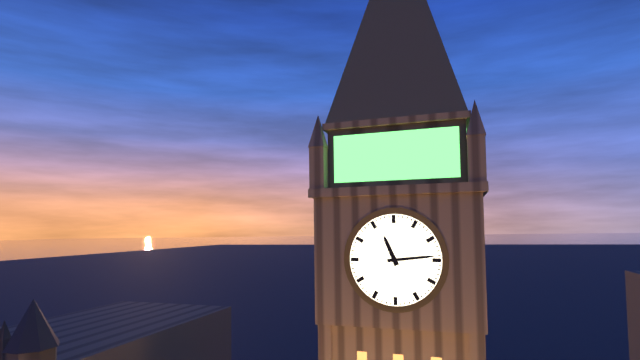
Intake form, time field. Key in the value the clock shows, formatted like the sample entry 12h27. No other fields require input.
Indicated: 11h14
